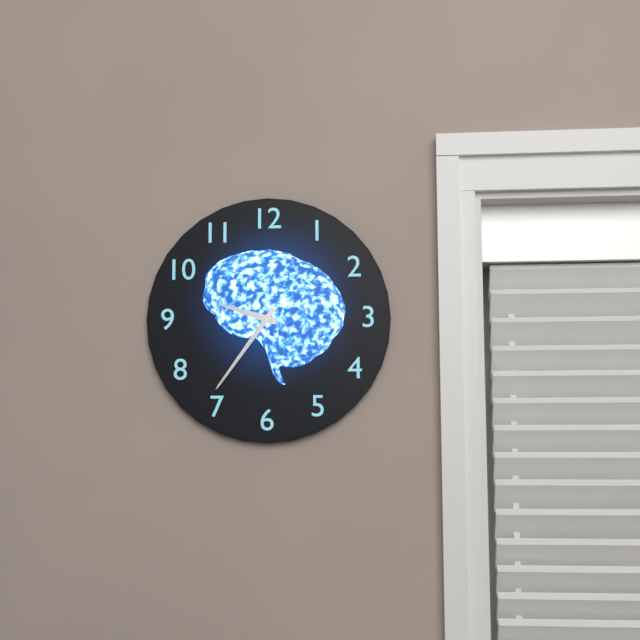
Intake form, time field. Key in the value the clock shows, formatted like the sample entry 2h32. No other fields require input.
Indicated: 9h36
